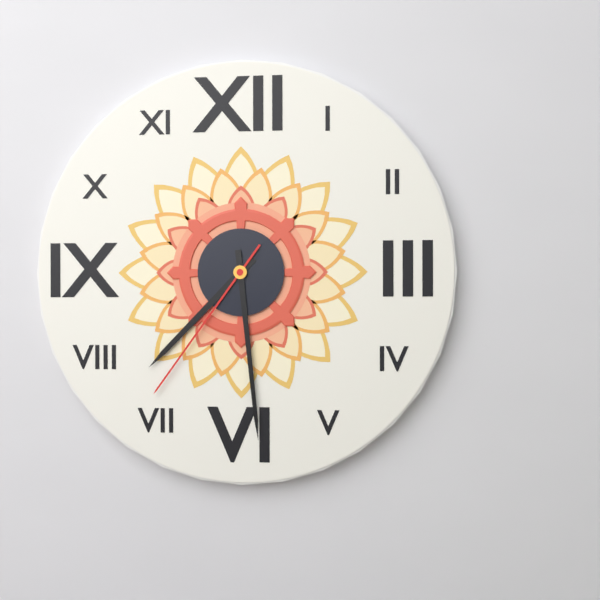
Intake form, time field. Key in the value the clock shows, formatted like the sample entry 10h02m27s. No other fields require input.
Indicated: 7h29m36s
